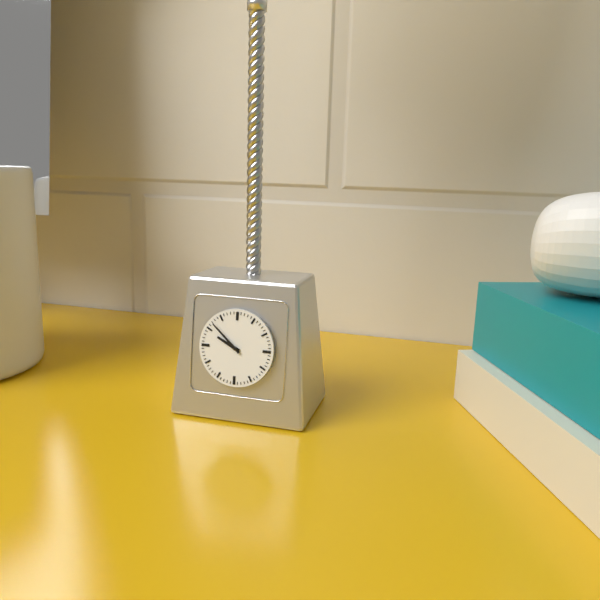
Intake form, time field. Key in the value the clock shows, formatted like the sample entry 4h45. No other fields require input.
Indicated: 9h52
